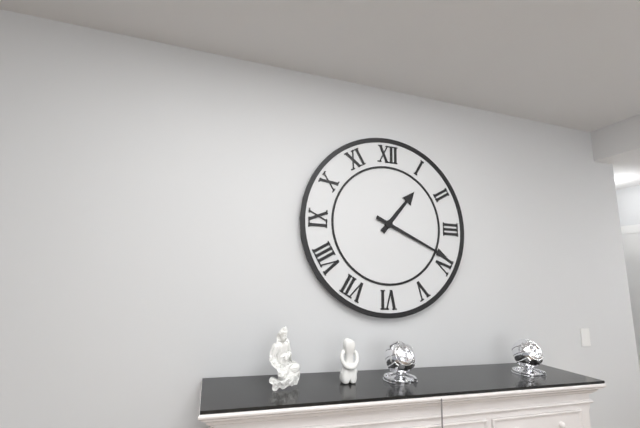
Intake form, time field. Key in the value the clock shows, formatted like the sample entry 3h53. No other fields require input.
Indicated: 1h19
